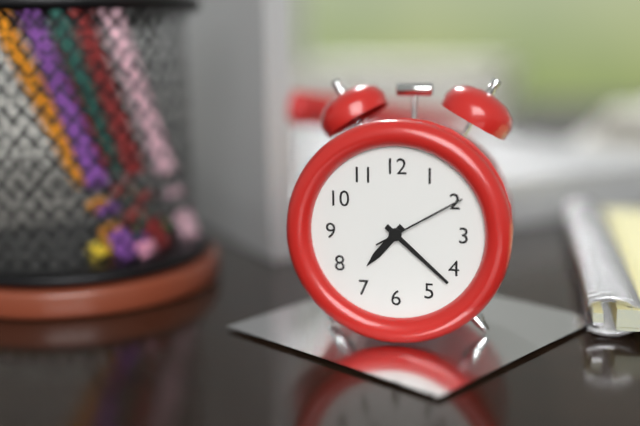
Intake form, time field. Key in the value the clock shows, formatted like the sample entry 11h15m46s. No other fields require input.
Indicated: 7h22m10s
